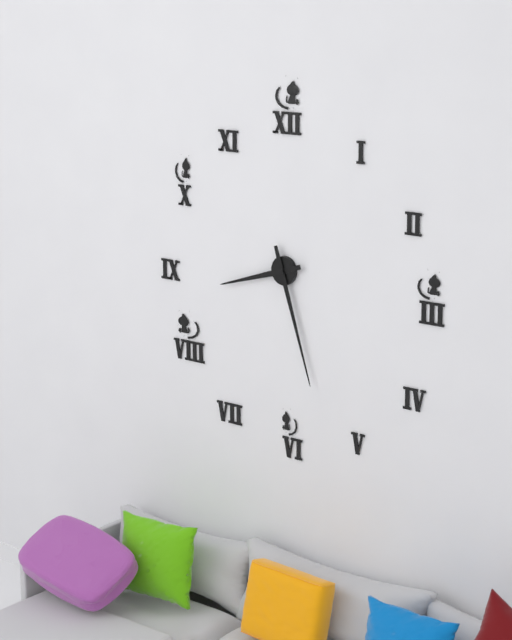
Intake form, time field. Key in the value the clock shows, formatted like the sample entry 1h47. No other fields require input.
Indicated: 8h27
